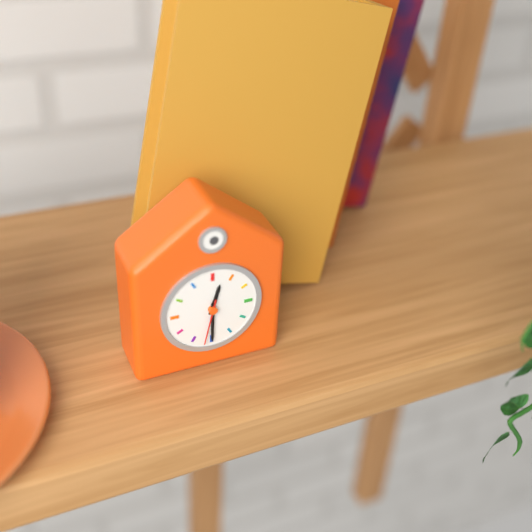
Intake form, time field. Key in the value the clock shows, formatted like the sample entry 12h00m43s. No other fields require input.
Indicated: 12h30m32s
